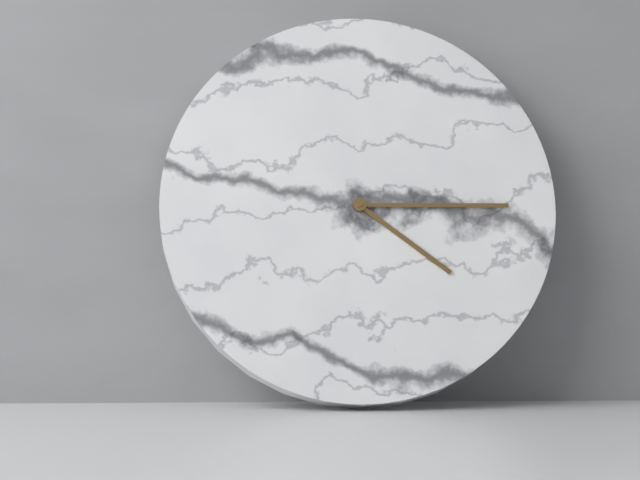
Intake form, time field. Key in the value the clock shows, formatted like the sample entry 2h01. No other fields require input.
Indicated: 4h15
